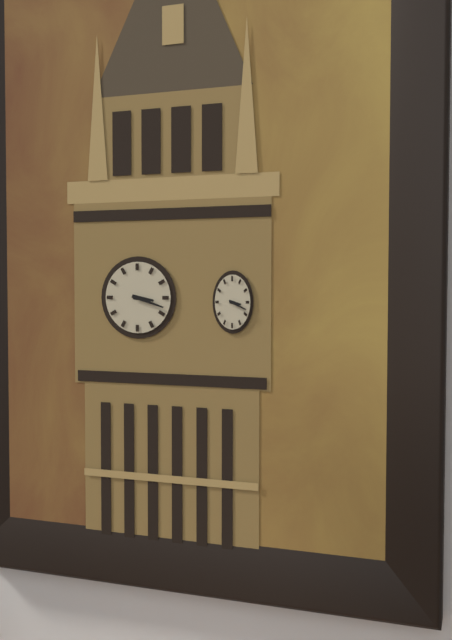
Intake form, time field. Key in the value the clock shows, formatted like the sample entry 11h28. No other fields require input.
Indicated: 3h18
